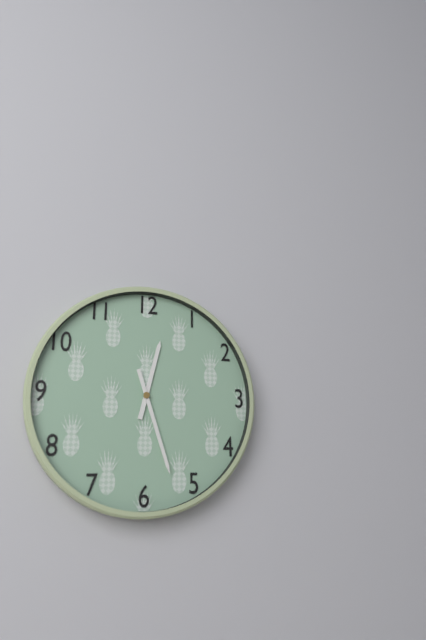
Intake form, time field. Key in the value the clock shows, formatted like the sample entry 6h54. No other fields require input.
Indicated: 12h27
